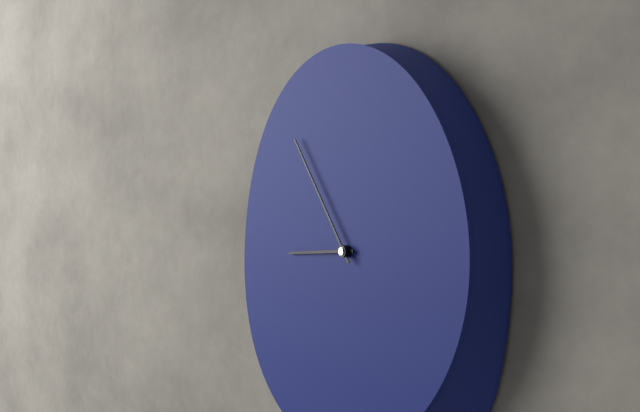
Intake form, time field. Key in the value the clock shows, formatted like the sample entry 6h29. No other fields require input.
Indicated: 8h54
